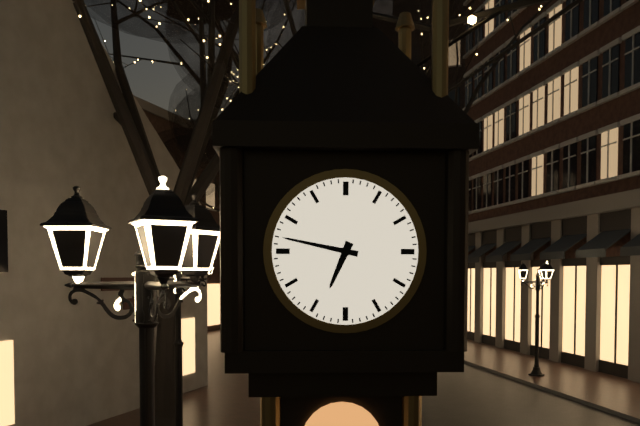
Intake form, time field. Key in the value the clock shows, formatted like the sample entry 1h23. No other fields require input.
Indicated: 6h47
